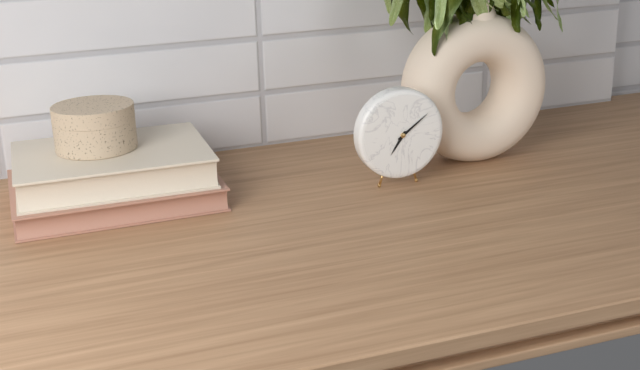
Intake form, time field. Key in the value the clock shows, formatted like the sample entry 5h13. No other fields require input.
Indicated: 7h09
